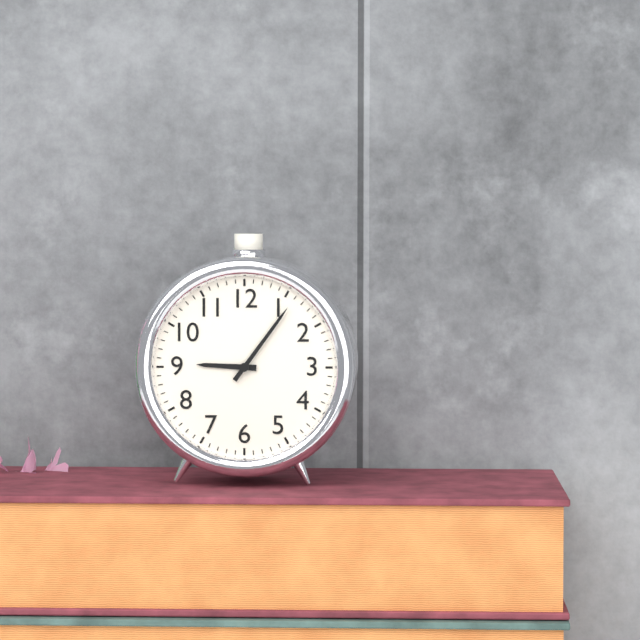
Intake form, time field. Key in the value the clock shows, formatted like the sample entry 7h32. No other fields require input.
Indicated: 9h06
